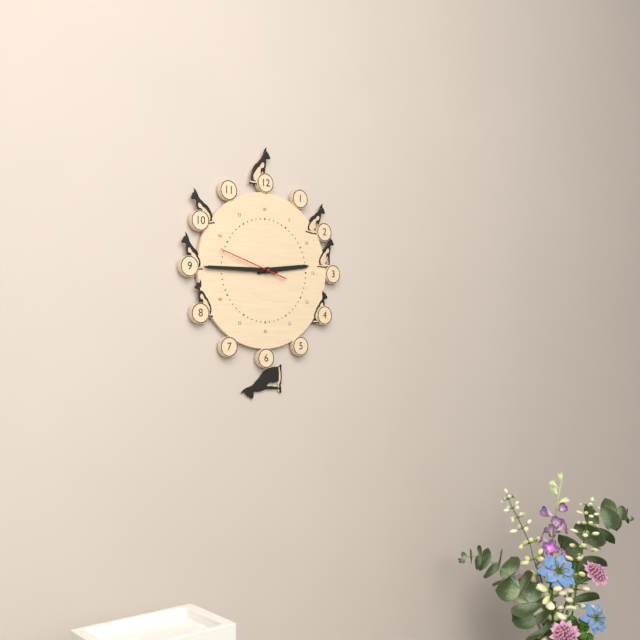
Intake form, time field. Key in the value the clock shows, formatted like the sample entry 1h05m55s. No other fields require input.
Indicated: 2h45m48s
